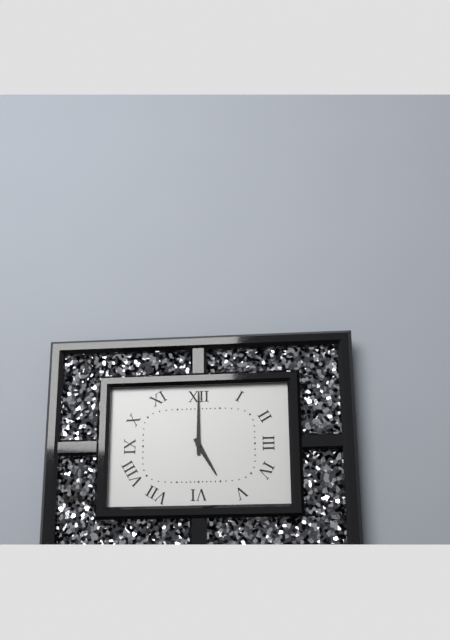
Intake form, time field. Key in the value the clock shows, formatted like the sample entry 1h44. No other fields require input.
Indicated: 5h00
